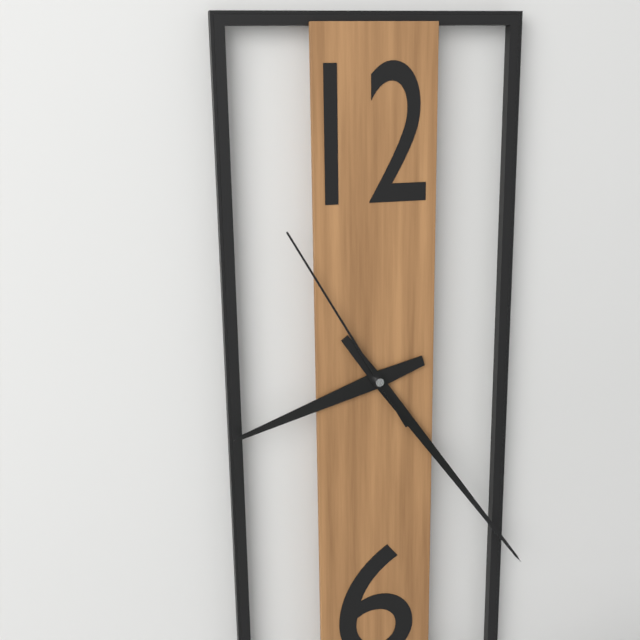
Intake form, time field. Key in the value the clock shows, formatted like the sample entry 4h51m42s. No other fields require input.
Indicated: 8h24m55s
